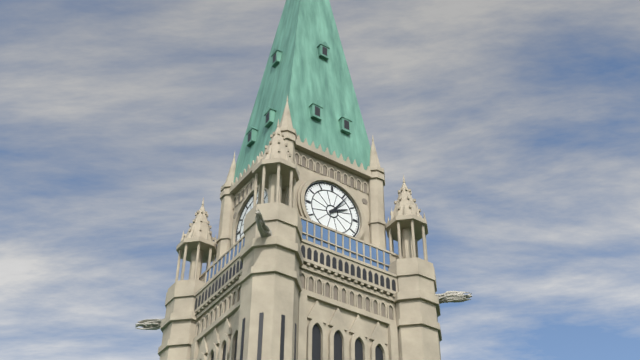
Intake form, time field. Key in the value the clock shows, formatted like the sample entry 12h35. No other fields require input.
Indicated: 2h06
